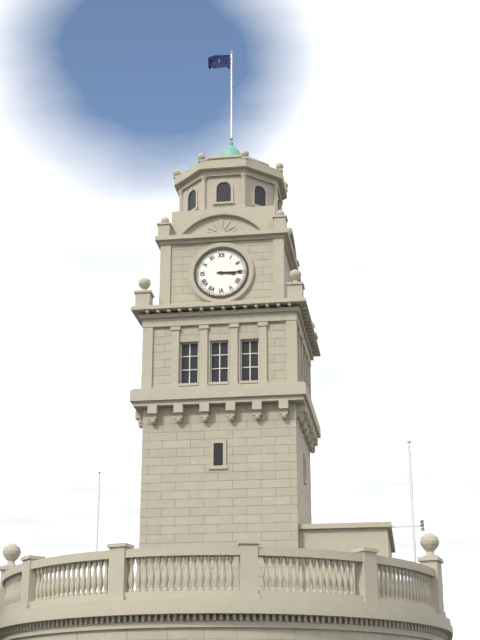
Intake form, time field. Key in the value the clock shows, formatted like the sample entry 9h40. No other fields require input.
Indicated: 3h15
